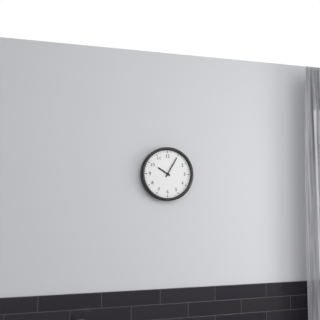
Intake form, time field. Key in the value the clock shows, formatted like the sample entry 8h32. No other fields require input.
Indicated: 10h05
